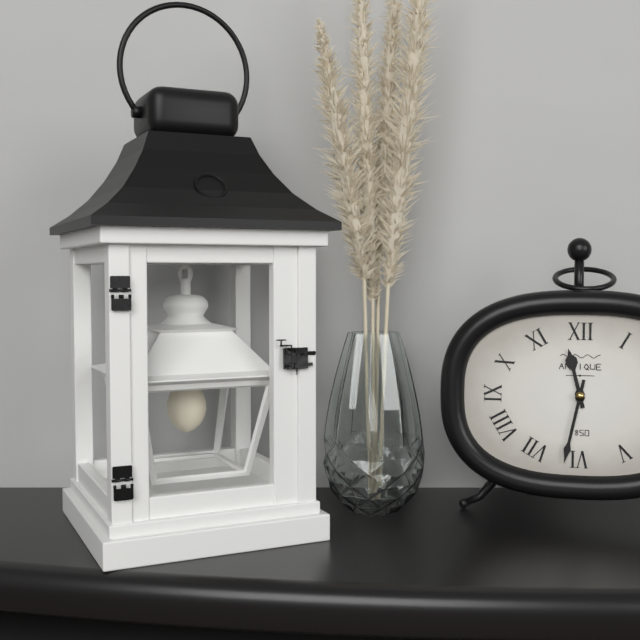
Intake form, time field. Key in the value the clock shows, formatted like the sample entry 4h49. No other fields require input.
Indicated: 11h32
